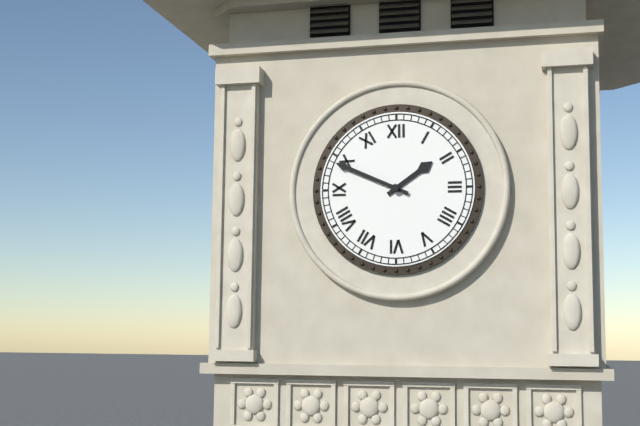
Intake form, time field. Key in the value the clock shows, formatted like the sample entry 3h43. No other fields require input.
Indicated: 1h49
